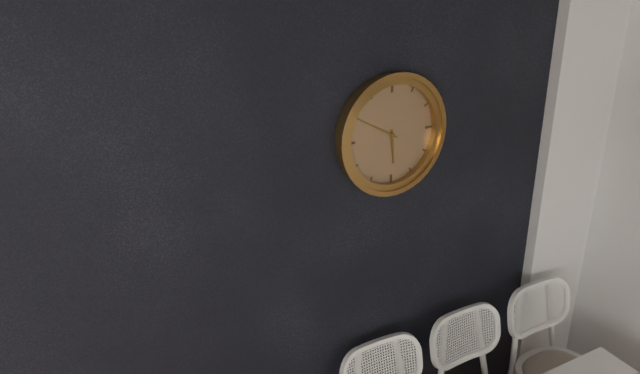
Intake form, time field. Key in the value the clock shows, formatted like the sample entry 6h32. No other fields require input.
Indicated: 5h50
